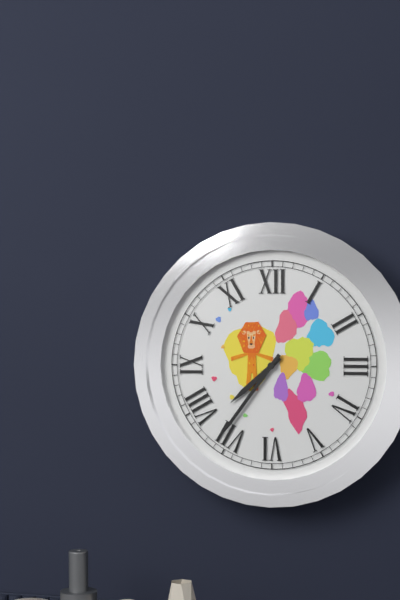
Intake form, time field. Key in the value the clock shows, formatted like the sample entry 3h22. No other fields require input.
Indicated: 7h36
